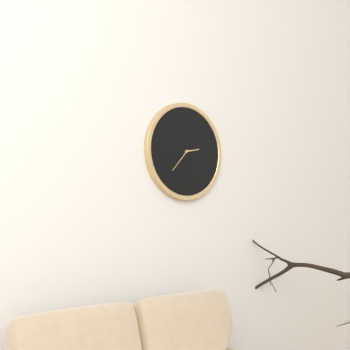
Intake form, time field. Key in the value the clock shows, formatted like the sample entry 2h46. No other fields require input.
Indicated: 2h37
